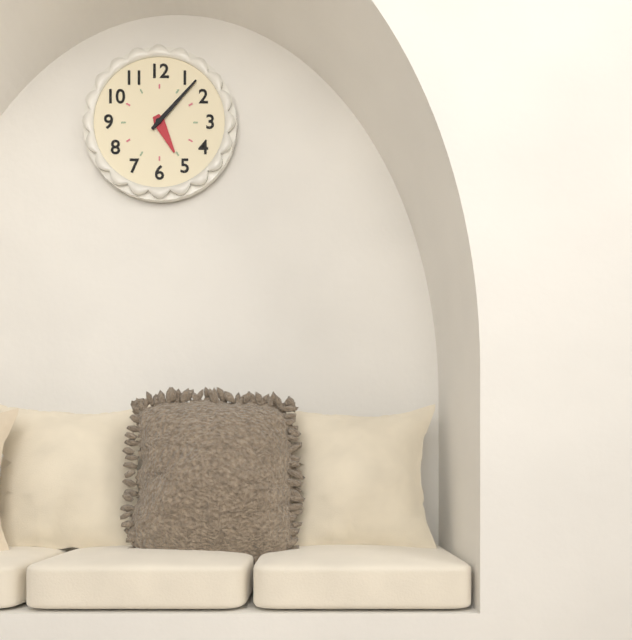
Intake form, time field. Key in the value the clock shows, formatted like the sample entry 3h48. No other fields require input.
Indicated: 5h07
